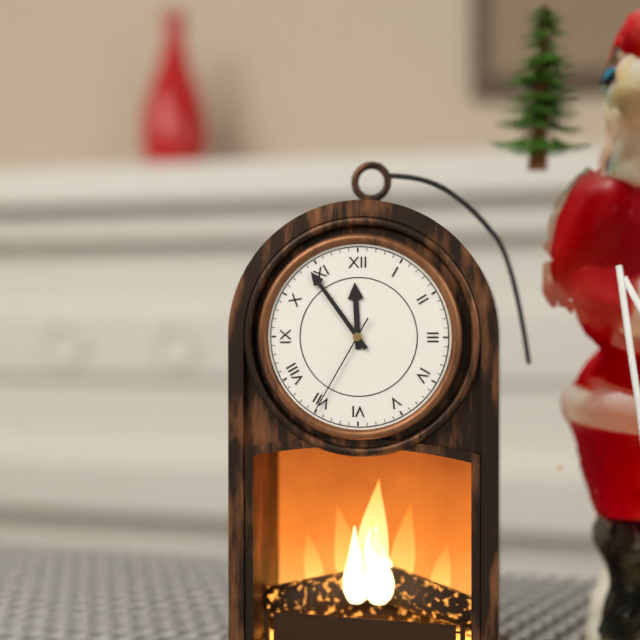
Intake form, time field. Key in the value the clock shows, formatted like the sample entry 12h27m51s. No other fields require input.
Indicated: 11h54m35s
